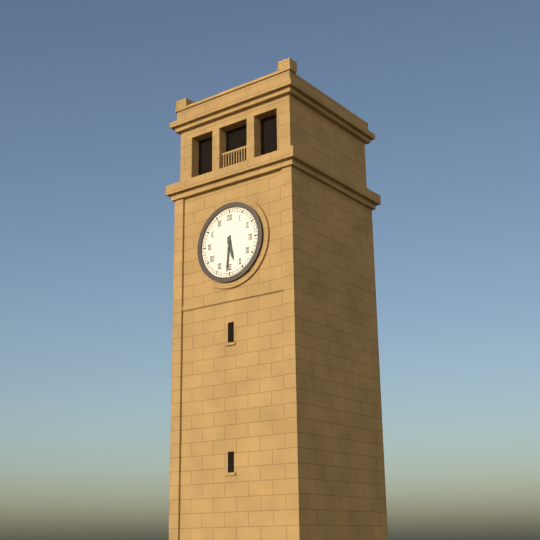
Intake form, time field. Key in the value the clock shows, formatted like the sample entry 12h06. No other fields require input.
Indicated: 5h31
